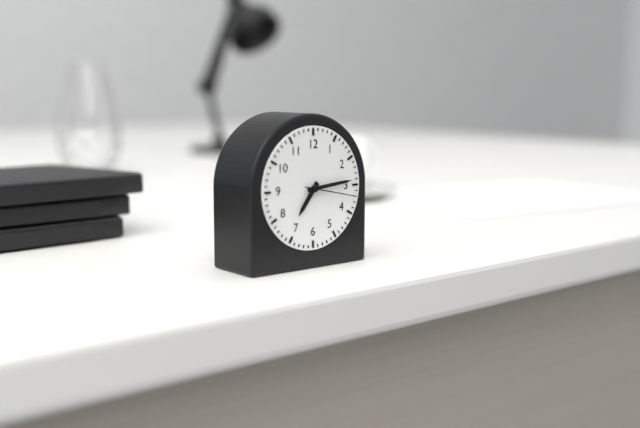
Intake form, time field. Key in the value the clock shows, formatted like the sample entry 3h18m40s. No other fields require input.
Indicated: 7h14m17s
